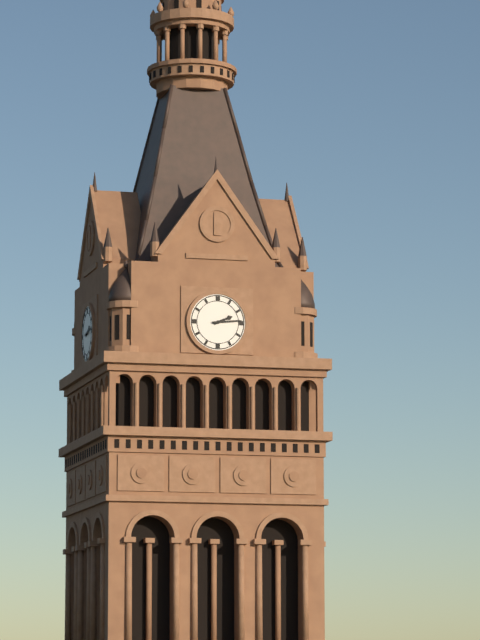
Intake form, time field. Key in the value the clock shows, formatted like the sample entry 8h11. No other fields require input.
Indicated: 2h14
